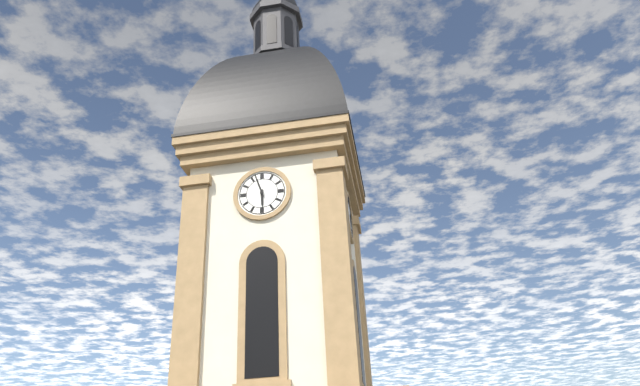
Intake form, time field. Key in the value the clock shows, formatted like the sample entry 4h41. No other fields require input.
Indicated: 5h57
